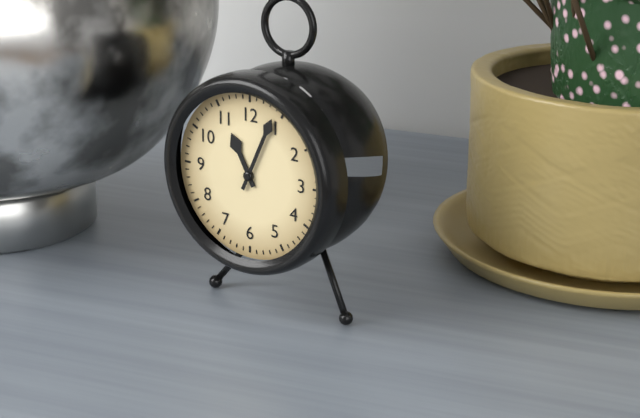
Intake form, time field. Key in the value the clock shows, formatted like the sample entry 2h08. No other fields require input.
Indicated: 11h04
